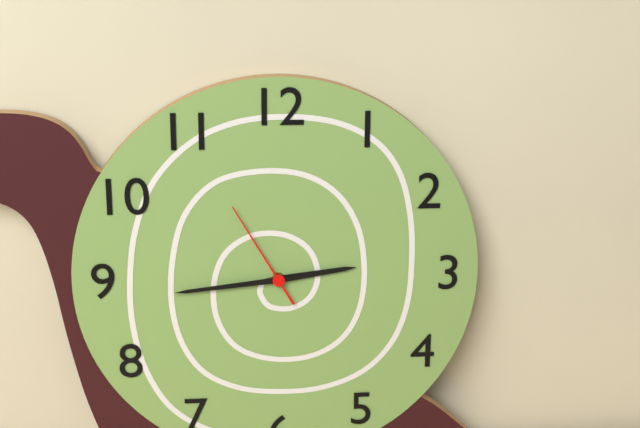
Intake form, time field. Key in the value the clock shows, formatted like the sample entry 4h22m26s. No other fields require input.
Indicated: 2h44m55s
